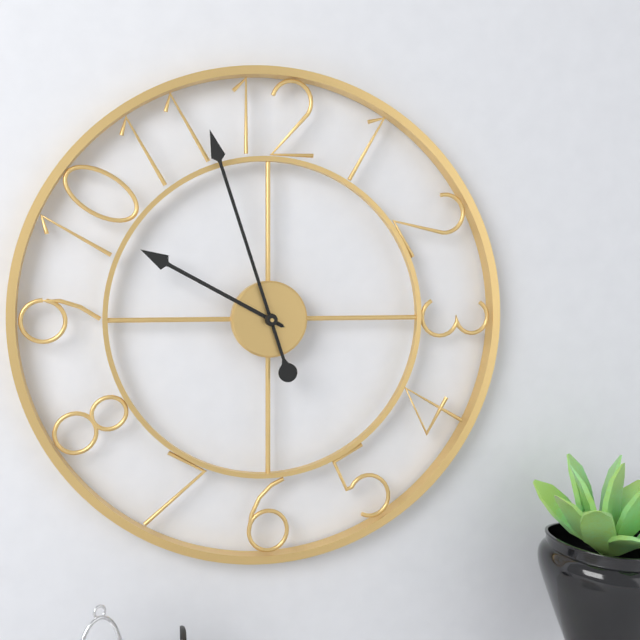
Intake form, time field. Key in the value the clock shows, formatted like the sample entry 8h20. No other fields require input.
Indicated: 9h57
